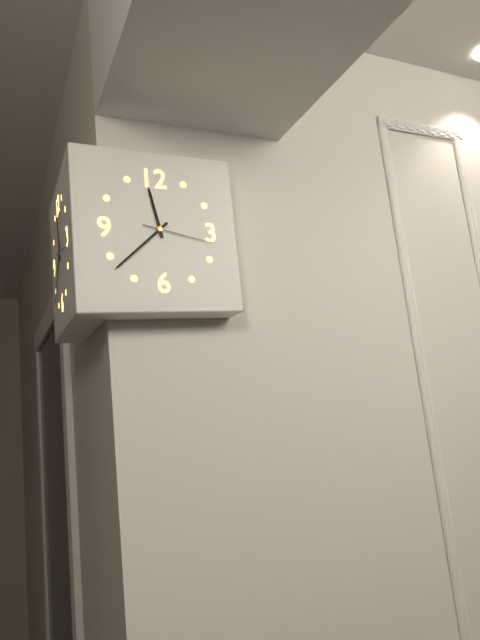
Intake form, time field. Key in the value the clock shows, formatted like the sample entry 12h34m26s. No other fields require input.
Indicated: 11h38m17s
